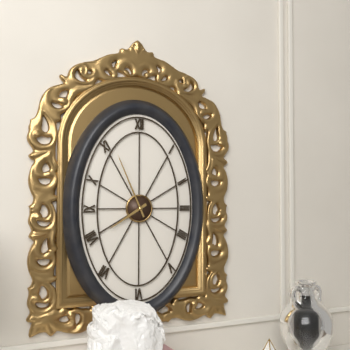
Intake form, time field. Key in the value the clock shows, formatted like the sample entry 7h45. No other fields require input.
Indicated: 7h56
